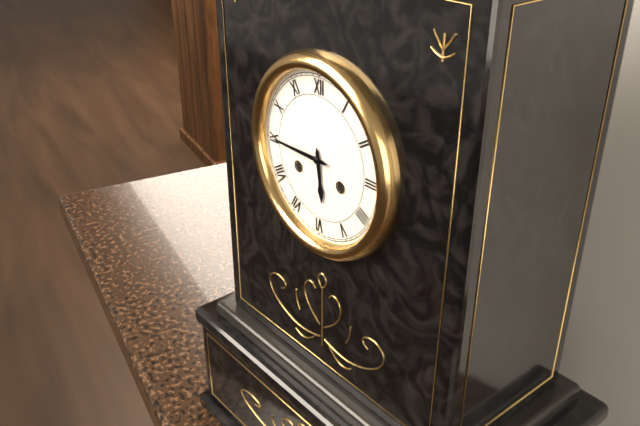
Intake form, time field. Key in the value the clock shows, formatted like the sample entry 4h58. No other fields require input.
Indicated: 5h45
